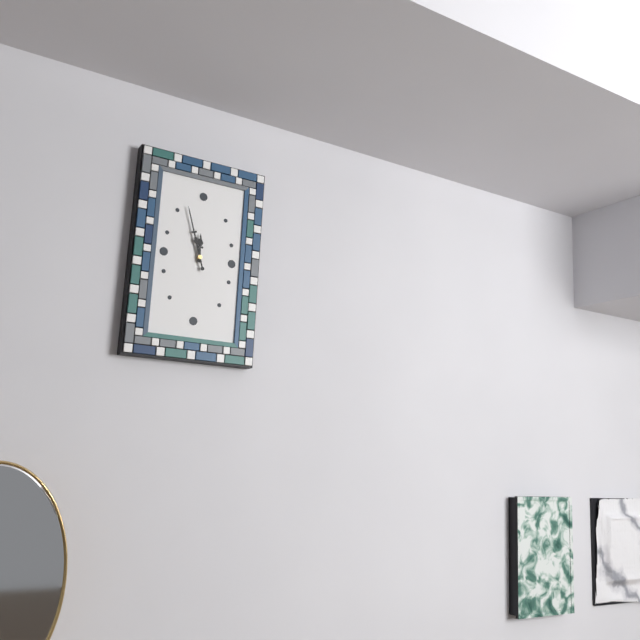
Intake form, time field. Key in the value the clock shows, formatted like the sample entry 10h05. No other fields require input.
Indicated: 11h57
